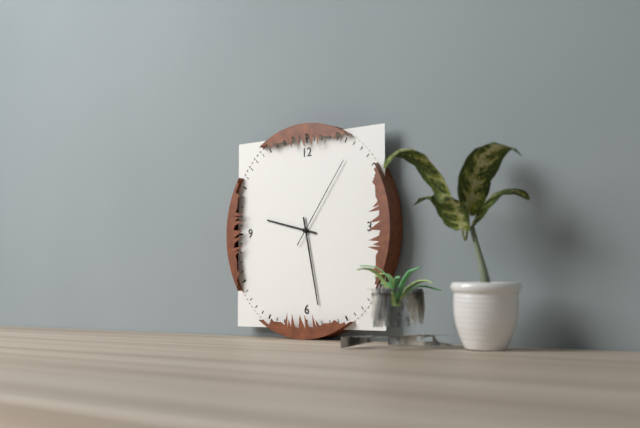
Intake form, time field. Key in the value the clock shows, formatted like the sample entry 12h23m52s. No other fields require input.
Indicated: 9h28m06s
